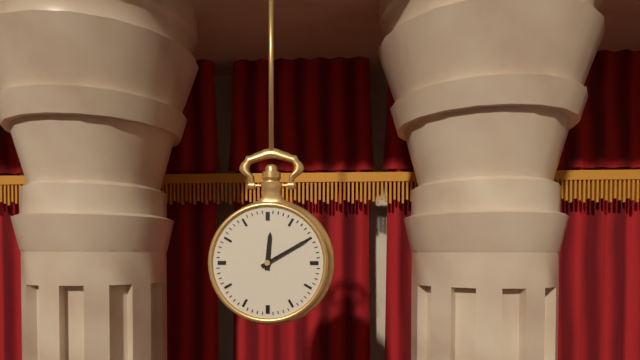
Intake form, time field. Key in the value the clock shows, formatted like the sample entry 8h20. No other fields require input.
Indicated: 12h10
